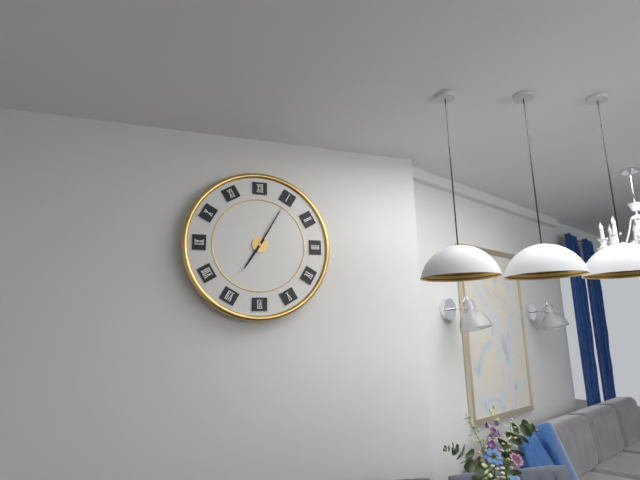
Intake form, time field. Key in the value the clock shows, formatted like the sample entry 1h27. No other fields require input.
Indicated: 7h05
